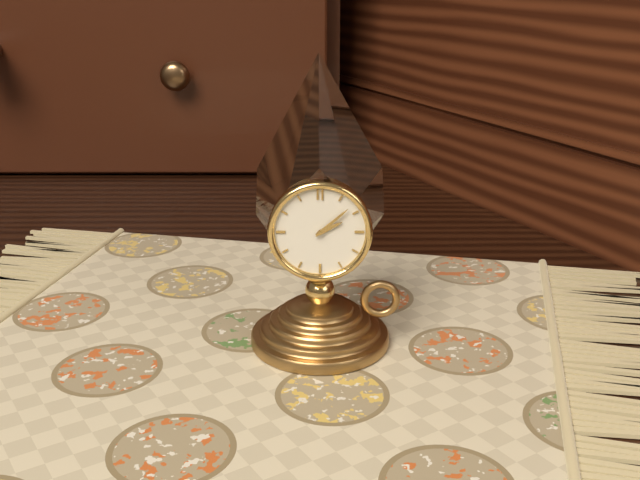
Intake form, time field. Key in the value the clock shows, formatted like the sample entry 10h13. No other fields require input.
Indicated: 2h08
